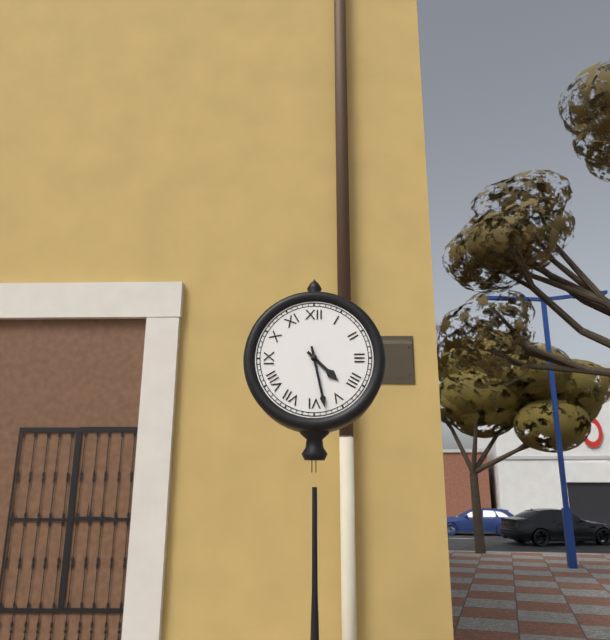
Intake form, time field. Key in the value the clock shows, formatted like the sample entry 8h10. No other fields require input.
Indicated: 4h28
